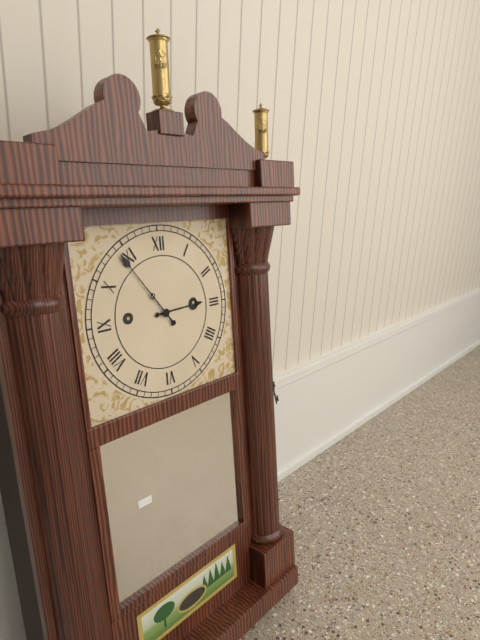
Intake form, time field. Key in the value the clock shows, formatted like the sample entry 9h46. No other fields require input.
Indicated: 2h54
